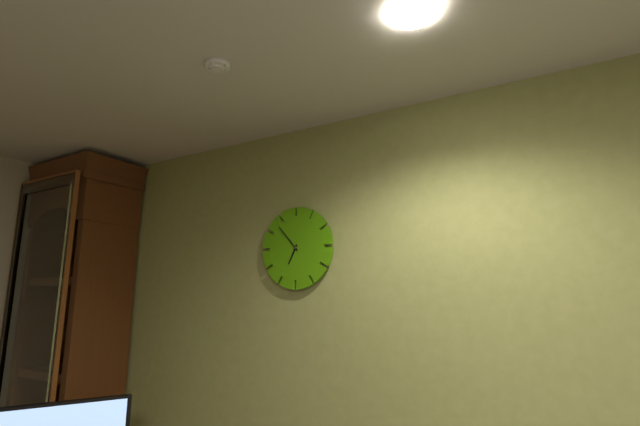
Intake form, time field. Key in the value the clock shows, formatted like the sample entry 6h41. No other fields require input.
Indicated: 6h53
